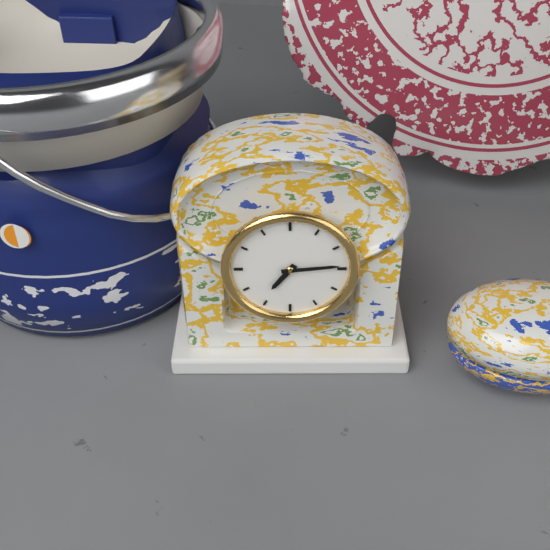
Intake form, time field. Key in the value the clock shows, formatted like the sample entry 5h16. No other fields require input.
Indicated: 7h14
